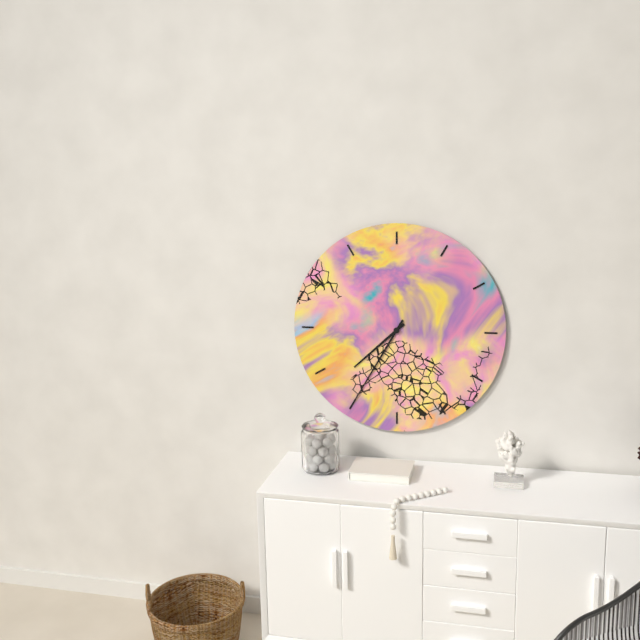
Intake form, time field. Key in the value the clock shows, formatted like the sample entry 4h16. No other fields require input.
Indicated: 7h35
